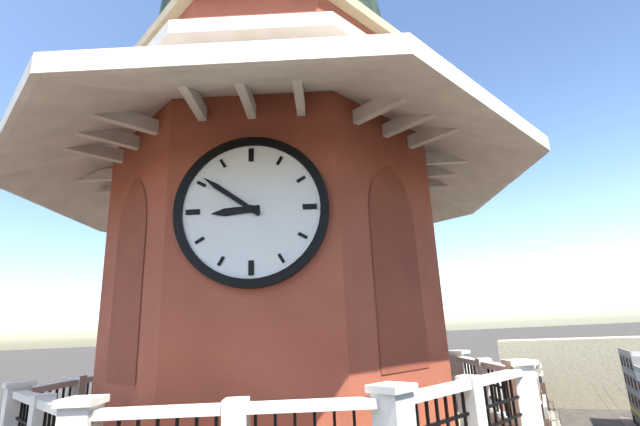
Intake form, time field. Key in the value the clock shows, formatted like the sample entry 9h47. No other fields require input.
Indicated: 8h51
